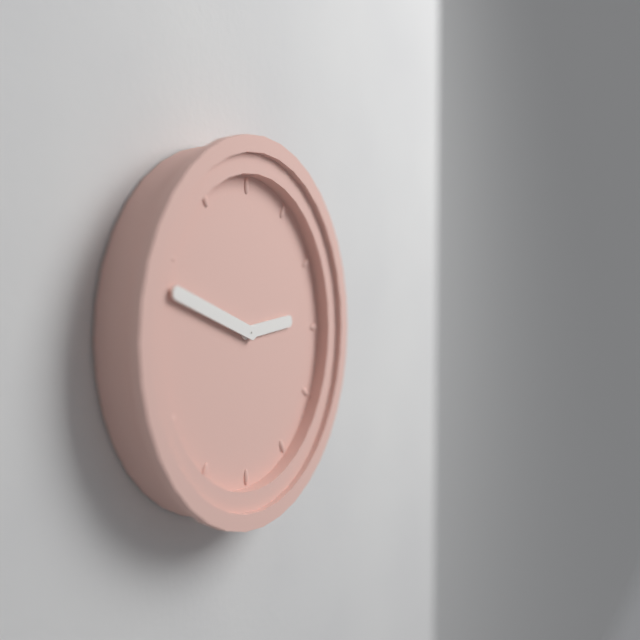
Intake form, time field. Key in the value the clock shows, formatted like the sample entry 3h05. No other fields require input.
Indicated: 2h48
